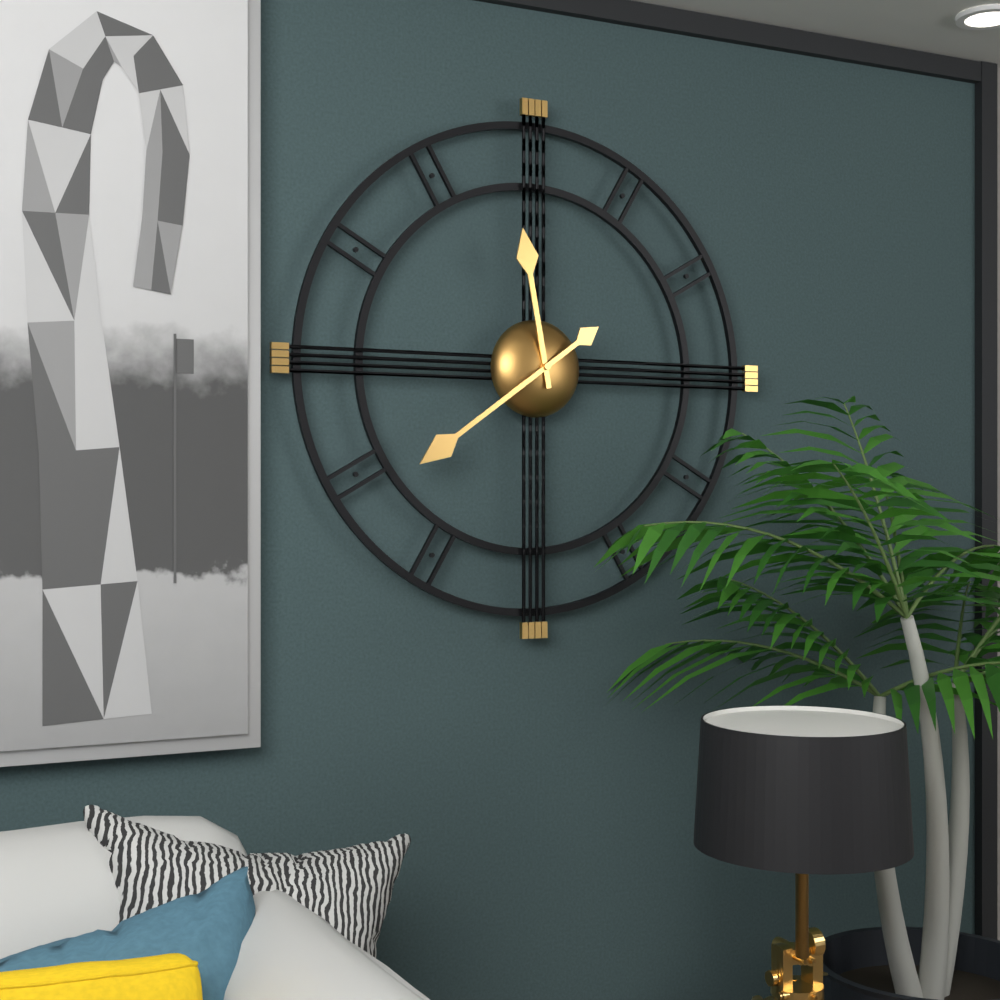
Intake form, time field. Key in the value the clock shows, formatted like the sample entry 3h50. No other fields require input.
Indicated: 11h39
